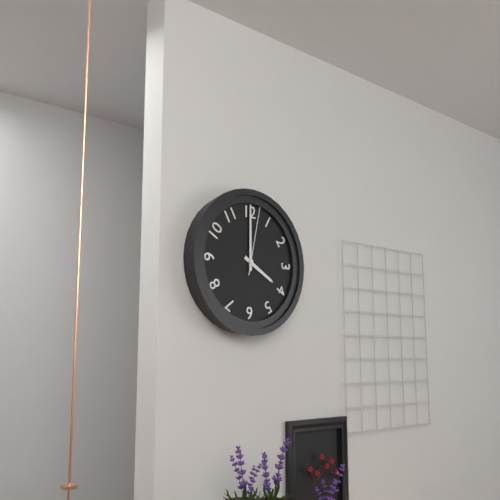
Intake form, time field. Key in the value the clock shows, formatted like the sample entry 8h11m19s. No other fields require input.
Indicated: 4h00m02s
